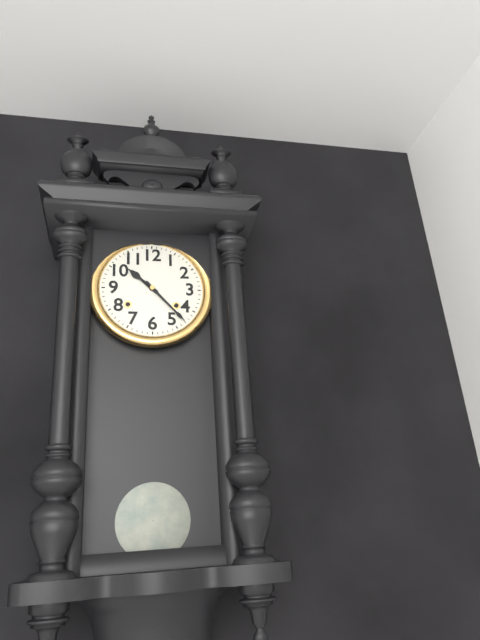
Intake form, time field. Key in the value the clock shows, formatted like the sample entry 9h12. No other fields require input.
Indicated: 10h23
